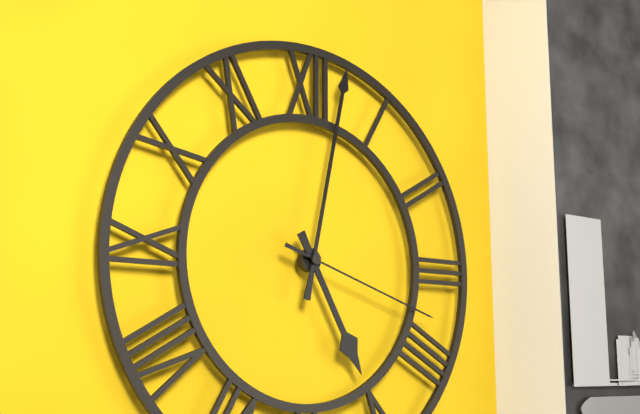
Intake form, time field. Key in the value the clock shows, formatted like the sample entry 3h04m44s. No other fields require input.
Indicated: 5h02m18s
